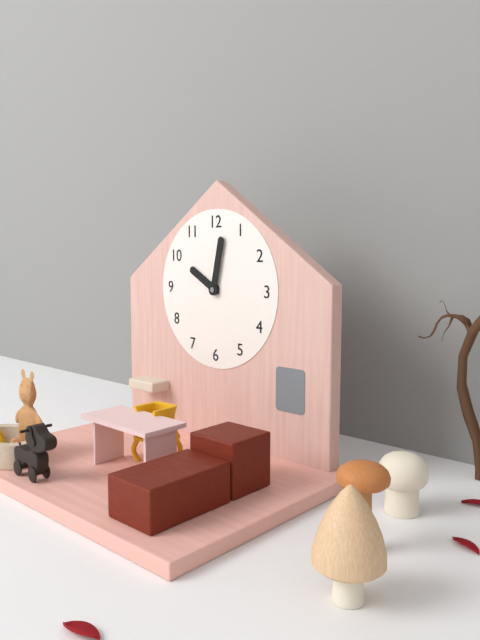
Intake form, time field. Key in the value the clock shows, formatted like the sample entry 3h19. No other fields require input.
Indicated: 10h02
